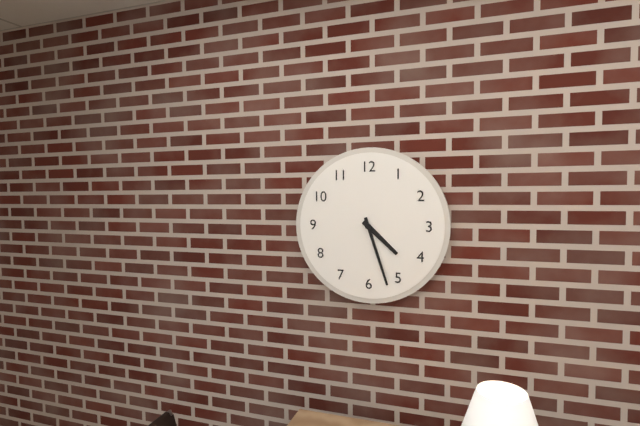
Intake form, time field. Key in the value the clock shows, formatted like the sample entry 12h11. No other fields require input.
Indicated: 4h27
